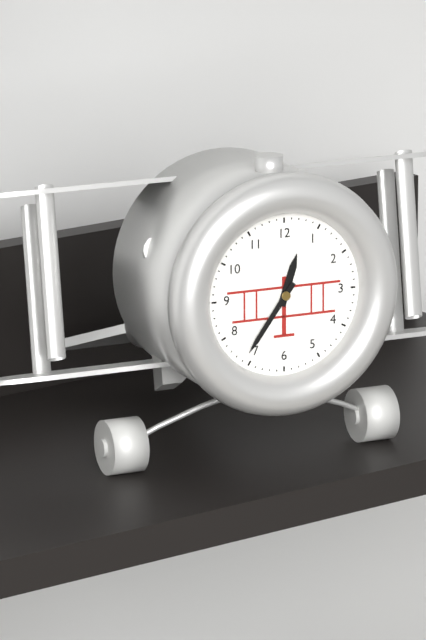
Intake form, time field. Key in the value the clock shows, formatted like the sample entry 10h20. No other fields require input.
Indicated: 12h36
